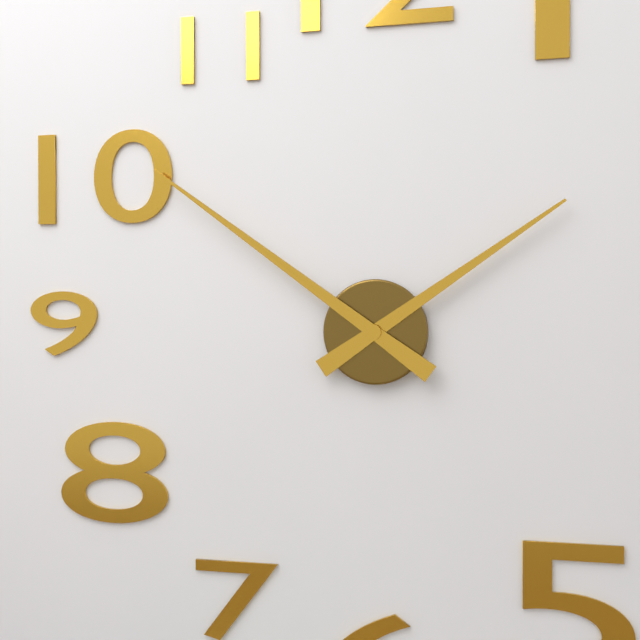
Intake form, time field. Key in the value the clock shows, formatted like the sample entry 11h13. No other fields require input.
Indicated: 1h51
